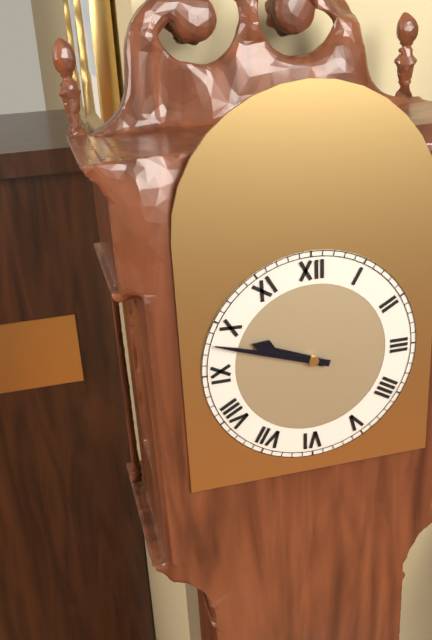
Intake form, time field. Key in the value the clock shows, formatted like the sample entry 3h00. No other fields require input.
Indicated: 9h48
